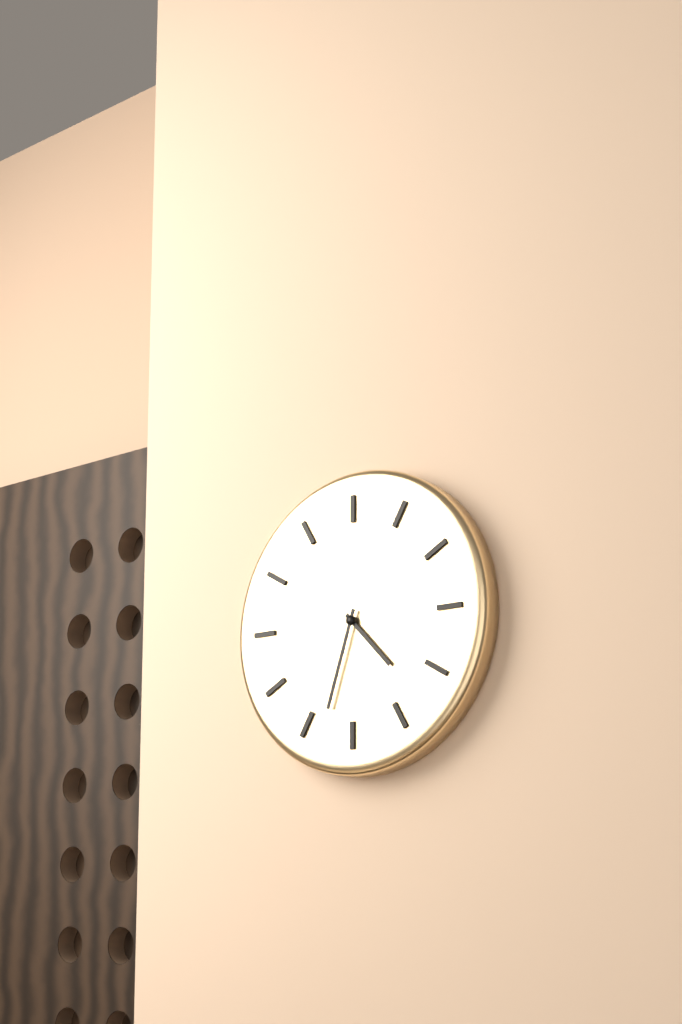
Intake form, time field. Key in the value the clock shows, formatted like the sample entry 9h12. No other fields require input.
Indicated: 4h33
